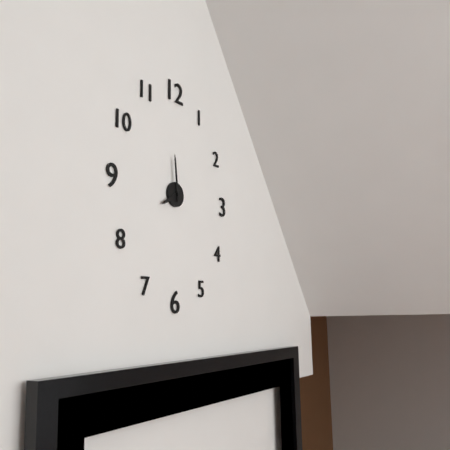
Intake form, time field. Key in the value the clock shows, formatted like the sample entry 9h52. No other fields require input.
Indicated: 7h59
